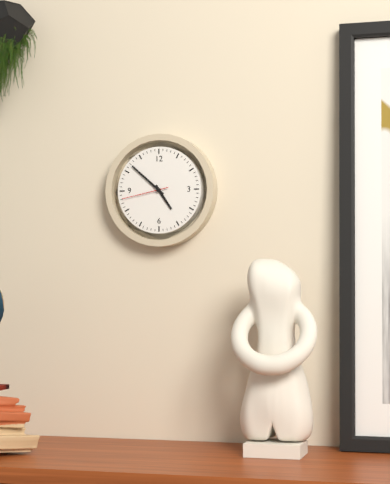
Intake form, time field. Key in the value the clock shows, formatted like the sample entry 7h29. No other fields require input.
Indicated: 4h52
